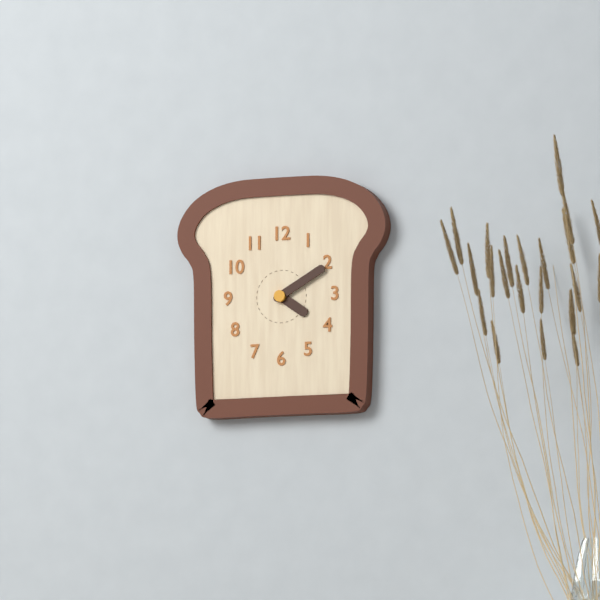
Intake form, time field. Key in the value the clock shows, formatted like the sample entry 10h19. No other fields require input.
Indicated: 4h10
